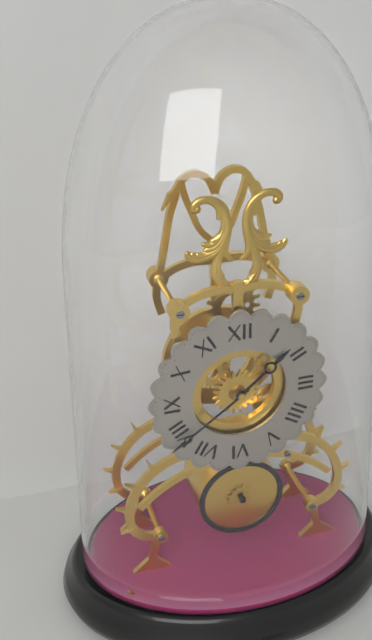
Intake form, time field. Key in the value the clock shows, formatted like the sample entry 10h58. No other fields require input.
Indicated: 1h39
